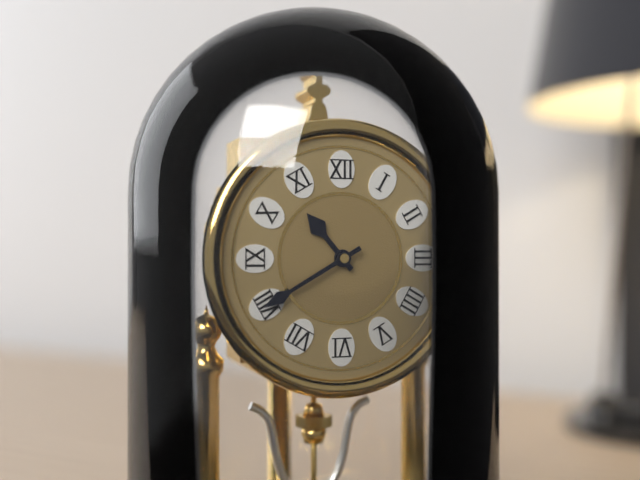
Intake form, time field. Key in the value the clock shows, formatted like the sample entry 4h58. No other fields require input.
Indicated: 10h40
